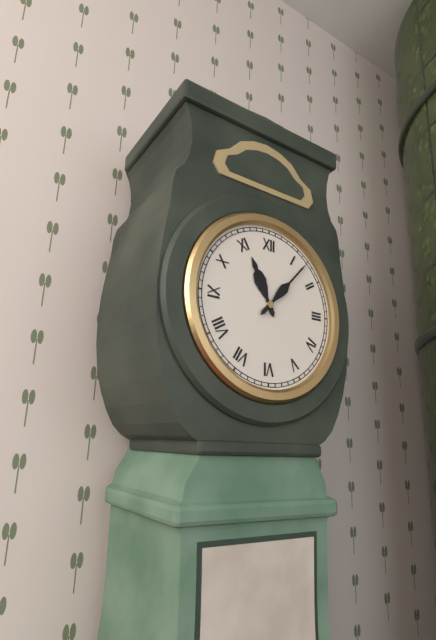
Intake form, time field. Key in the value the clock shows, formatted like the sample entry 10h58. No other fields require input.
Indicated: 11h07
